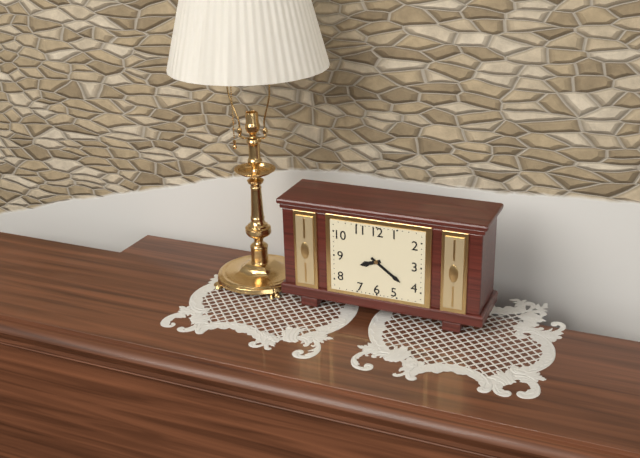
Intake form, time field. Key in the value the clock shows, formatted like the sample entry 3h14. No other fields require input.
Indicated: 8h21
